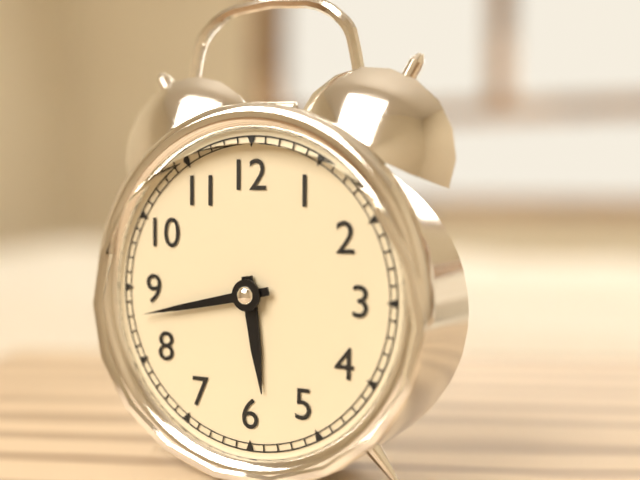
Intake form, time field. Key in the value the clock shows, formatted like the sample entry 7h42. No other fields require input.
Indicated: 5h43
